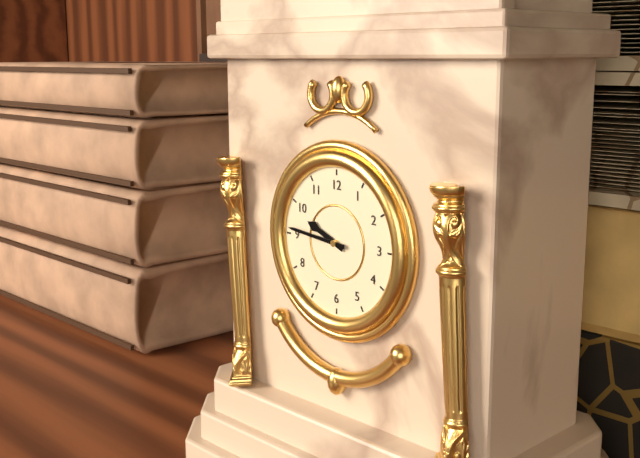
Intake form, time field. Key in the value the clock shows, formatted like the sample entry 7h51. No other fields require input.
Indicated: 9h46
